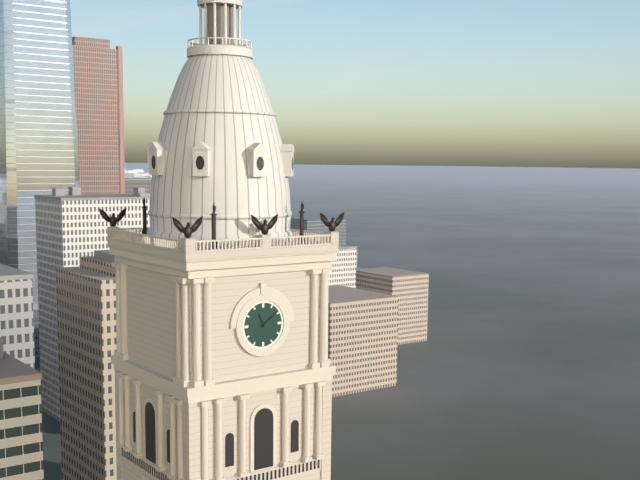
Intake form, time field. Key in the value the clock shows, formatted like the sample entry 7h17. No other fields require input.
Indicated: 11h09
